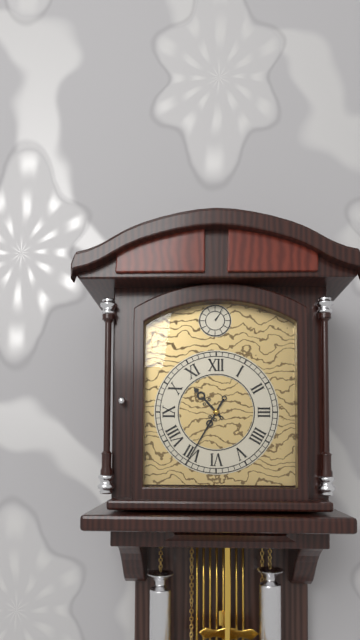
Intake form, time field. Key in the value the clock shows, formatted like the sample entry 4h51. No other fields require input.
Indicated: 10h35
